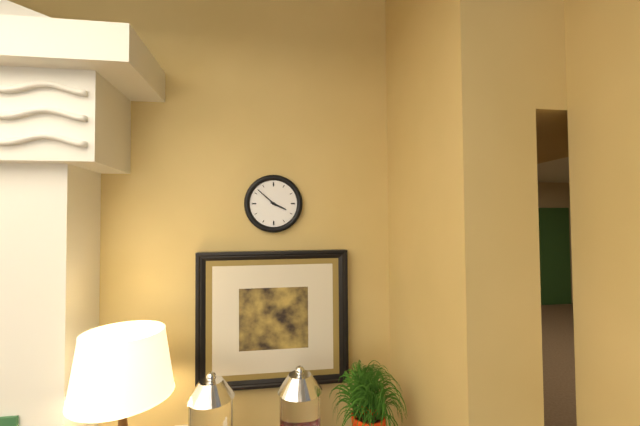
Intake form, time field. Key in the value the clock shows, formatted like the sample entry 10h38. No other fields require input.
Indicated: 3h52
